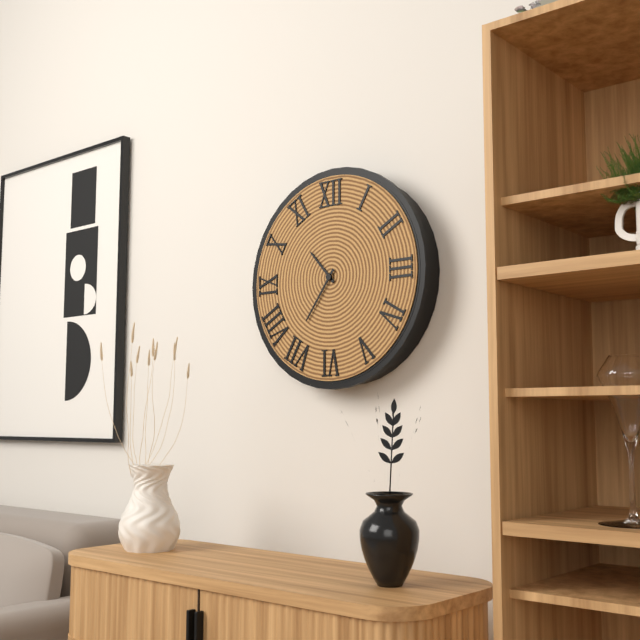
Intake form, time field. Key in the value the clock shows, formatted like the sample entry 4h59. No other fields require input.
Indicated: 10h36
